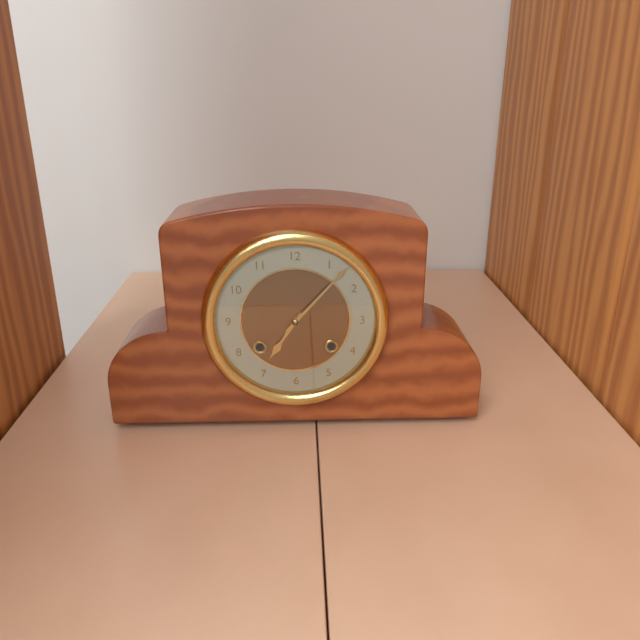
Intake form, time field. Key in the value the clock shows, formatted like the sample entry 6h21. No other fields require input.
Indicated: 7h07
